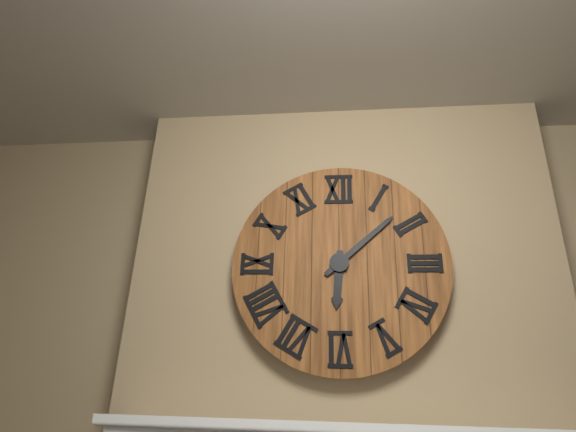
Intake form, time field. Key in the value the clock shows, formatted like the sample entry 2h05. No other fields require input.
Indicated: 6h08
